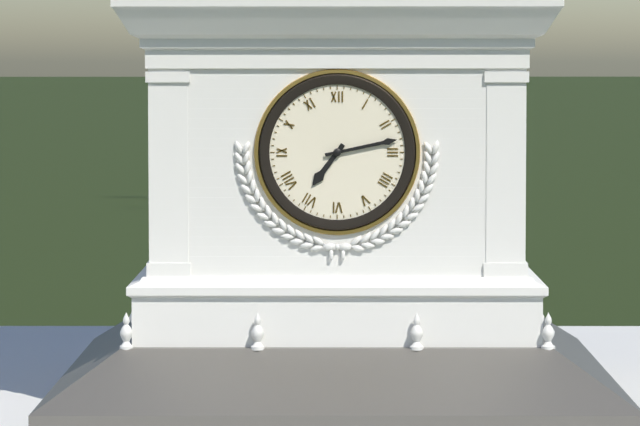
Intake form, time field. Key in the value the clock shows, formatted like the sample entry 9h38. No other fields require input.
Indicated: 7h13
